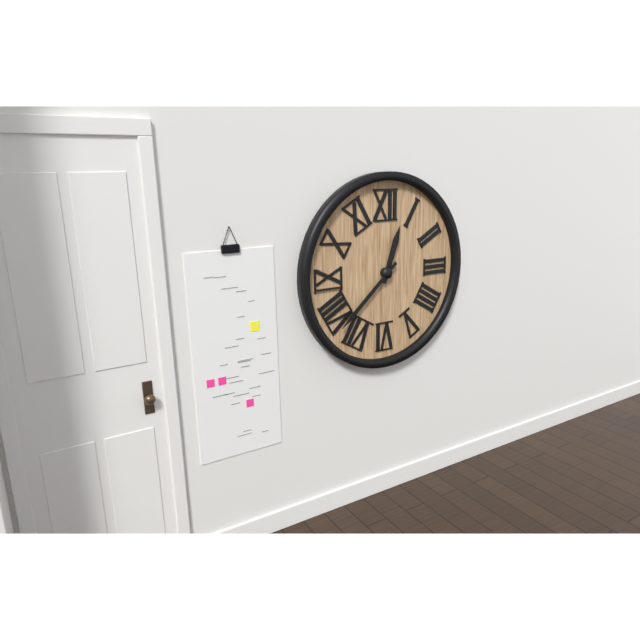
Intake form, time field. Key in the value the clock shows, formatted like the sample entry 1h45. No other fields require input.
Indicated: 12h38
